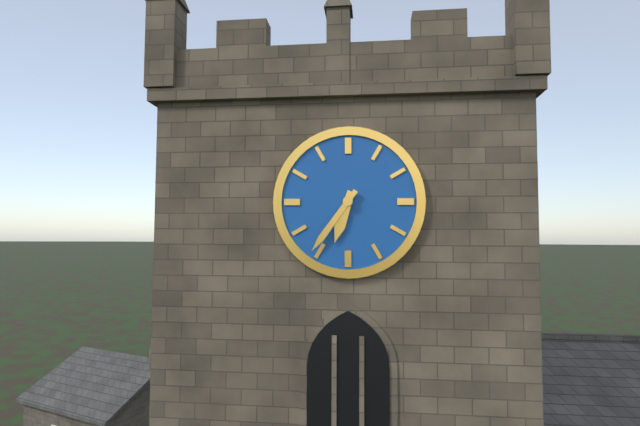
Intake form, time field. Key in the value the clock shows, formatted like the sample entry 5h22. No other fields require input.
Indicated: 6h36
